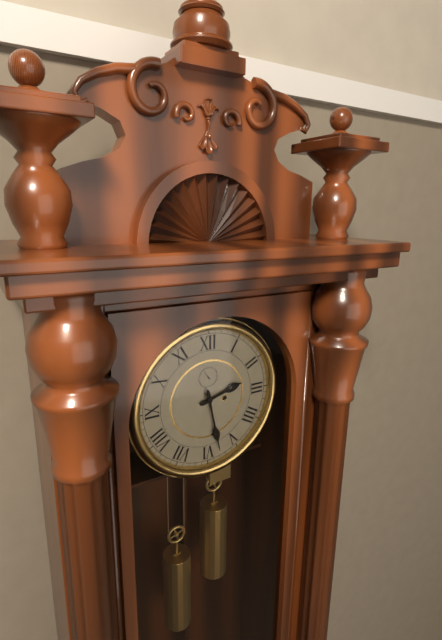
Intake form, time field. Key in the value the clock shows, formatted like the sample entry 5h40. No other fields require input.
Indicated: 2h28
